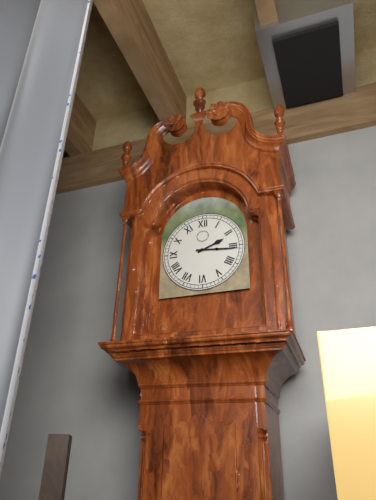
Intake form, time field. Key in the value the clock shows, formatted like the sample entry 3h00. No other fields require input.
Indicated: 2h16
